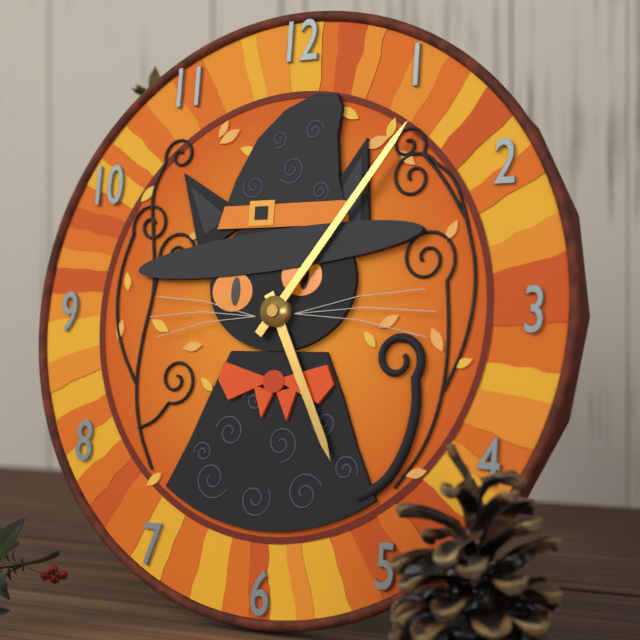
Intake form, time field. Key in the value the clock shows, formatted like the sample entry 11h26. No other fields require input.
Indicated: 5h06
